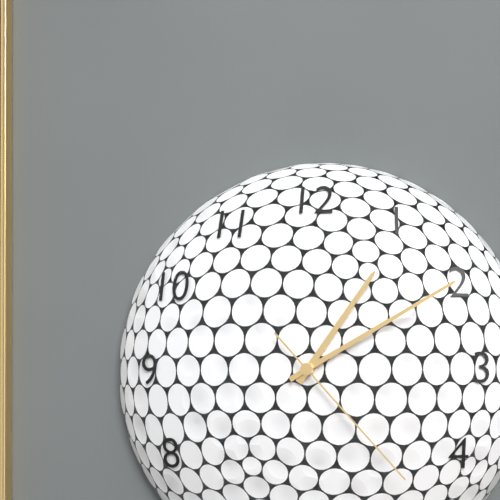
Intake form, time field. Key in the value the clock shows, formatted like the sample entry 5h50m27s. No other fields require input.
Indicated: 1h10m23s
